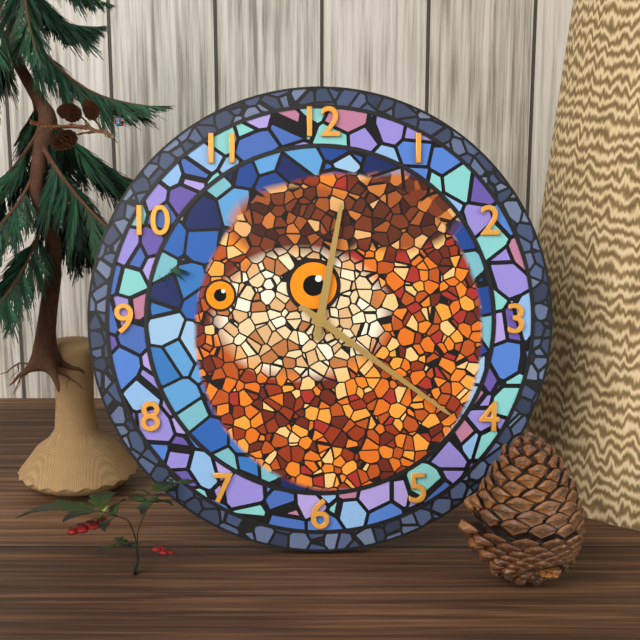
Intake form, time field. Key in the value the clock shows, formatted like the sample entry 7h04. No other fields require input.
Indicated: 12h21
